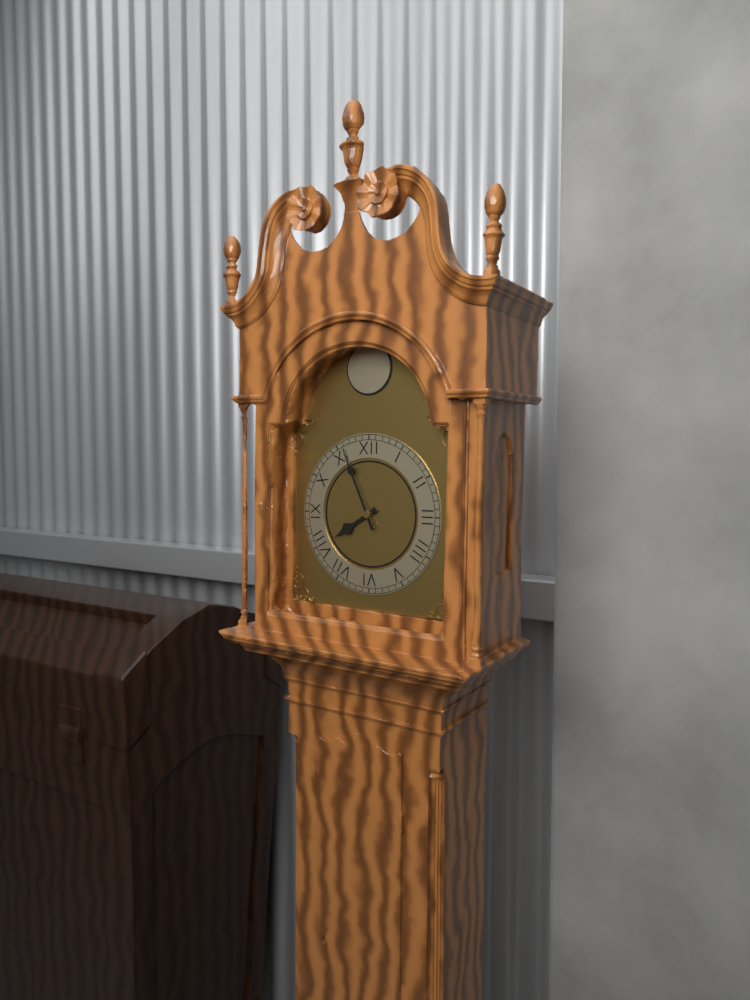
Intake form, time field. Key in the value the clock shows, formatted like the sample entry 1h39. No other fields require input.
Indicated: 7h56
